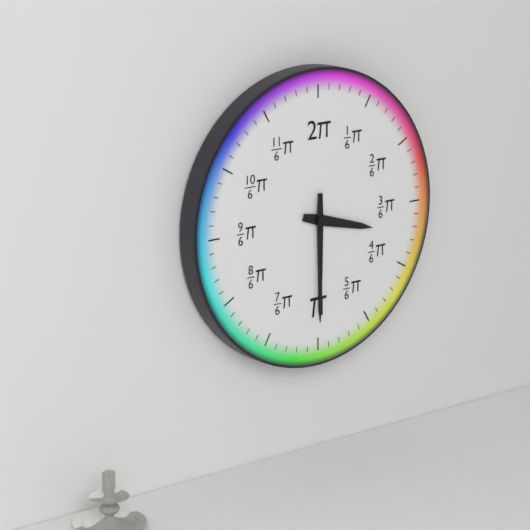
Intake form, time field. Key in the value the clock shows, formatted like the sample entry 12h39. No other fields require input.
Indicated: 3h30
